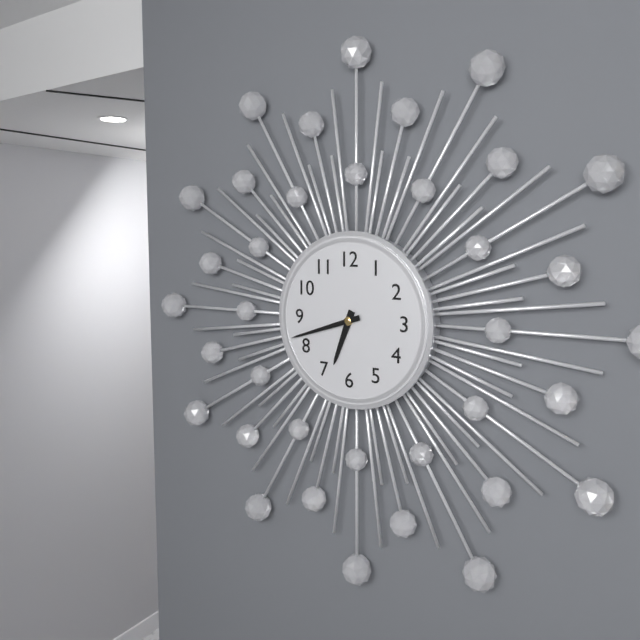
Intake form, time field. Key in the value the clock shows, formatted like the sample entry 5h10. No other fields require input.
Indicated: 6h42
